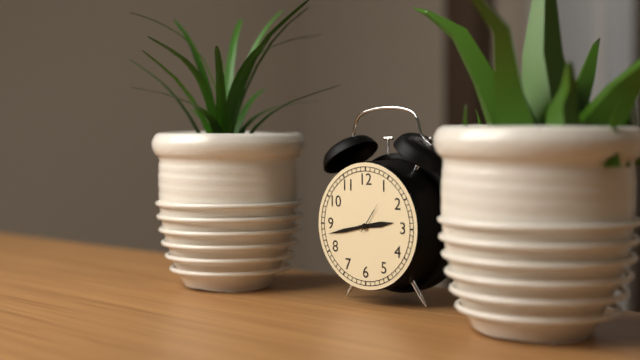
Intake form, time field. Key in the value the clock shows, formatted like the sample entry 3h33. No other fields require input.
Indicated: 2h43
